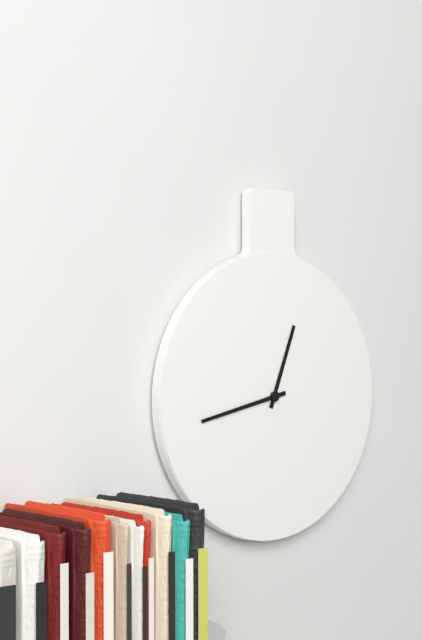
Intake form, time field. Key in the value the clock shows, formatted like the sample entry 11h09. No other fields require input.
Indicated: 12h43
